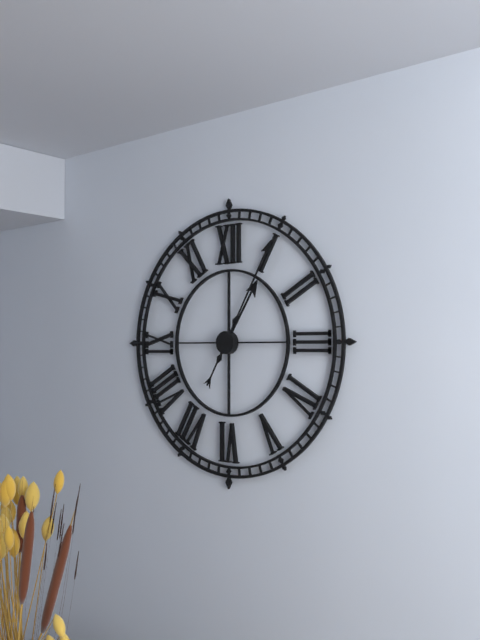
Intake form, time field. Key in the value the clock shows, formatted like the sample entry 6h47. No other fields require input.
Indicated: 1h05
